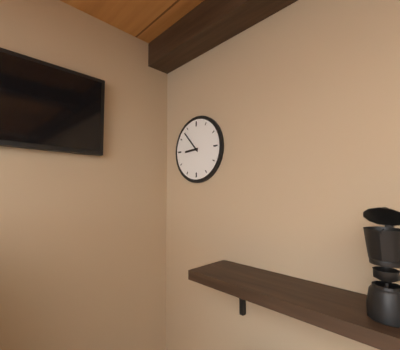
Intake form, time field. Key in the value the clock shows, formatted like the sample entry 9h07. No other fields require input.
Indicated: 8h53
